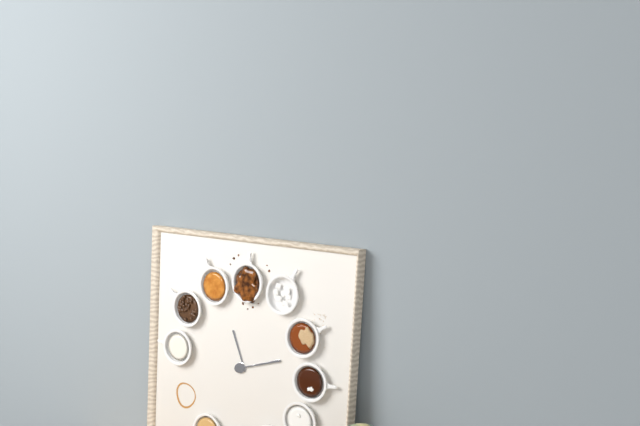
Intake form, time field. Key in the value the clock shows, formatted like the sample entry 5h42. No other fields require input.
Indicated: 11h12
